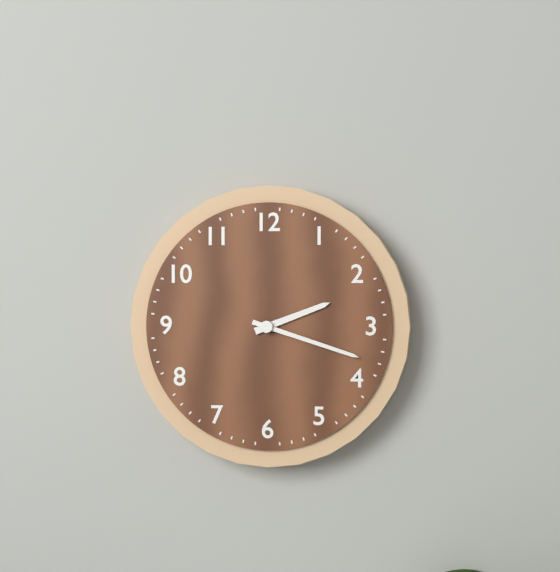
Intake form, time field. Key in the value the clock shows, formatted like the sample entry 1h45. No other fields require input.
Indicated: 2h18
